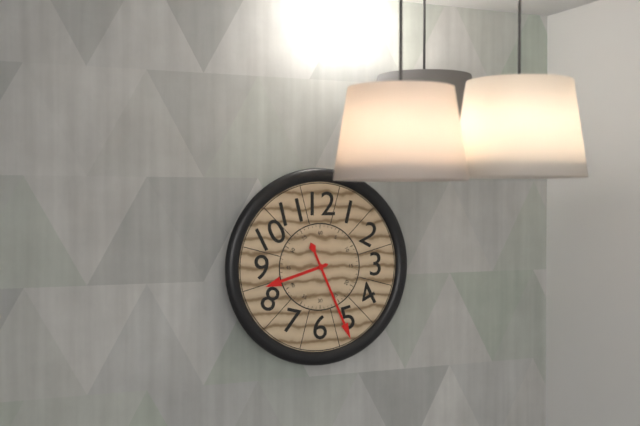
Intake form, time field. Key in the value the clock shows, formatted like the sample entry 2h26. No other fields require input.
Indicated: 8h26
